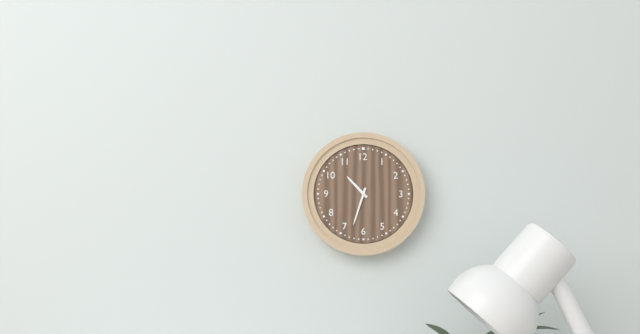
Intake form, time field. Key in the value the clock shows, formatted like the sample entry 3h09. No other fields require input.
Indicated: 10h33
